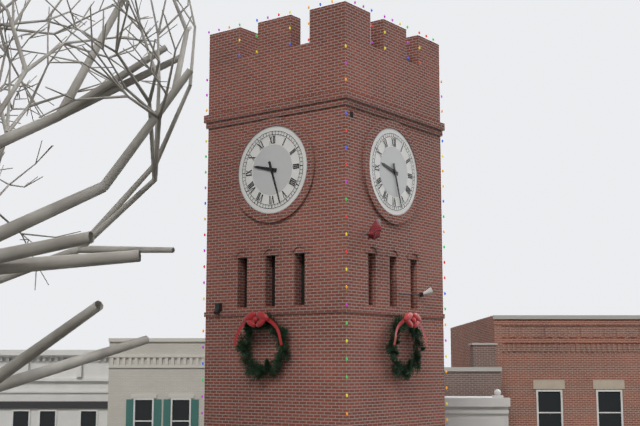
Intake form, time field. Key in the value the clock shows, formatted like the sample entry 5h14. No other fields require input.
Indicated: 9h27
